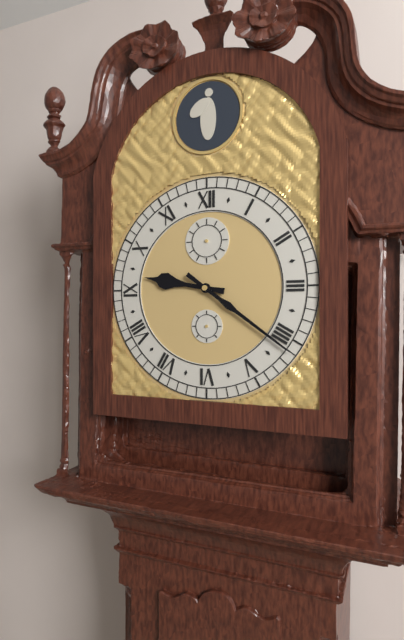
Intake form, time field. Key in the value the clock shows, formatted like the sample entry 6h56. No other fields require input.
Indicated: 9h21
